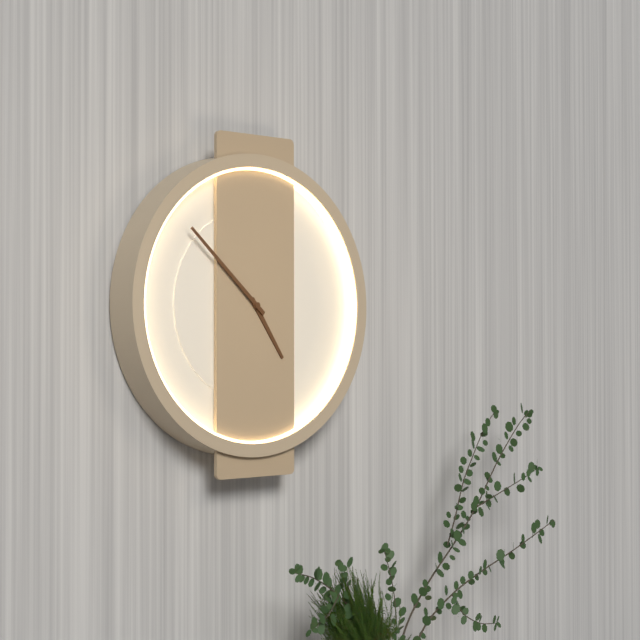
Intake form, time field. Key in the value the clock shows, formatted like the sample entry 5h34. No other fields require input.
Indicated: 4h52
